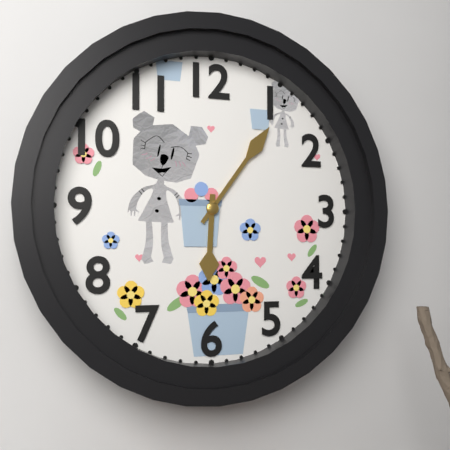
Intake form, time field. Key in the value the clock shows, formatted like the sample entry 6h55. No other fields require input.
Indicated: 6h06
